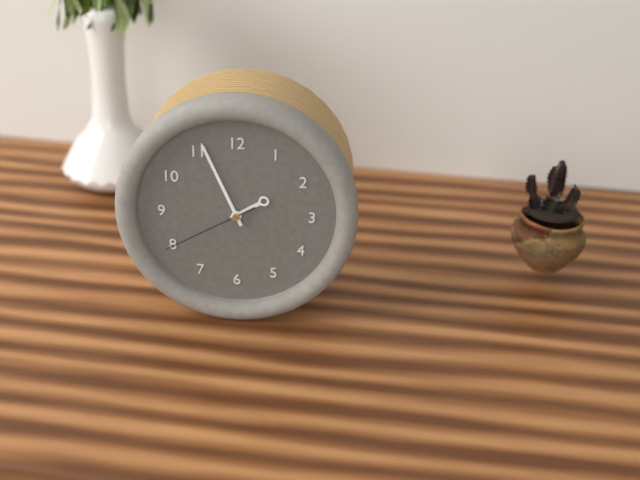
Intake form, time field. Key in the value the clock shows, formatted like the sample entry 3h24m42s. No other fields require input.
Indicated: 1h56m40s
